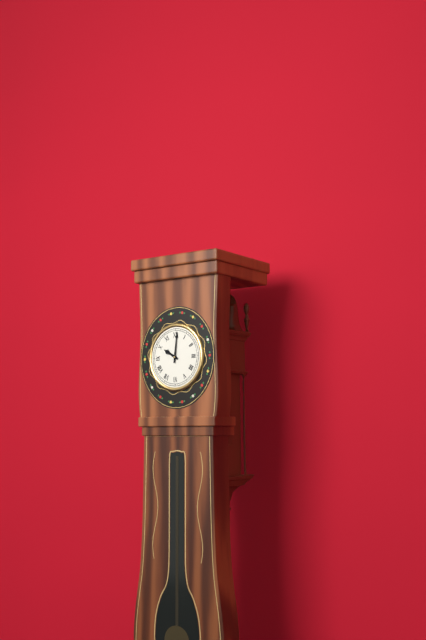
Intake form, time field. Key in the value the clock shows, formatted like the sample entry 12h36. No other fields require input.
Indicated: 10h01
